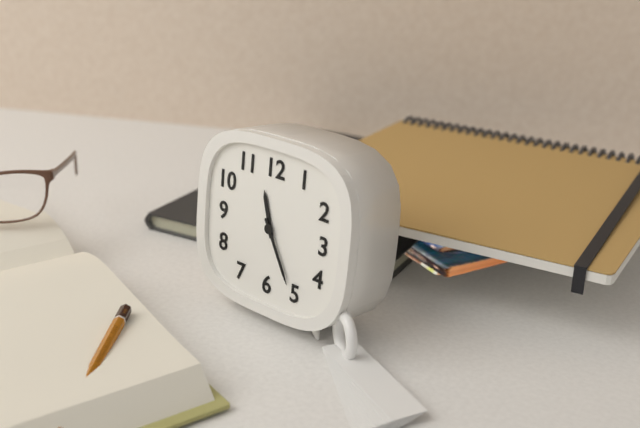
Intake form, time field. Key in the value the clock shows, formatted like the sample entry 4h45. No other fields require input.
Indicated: 11h25
